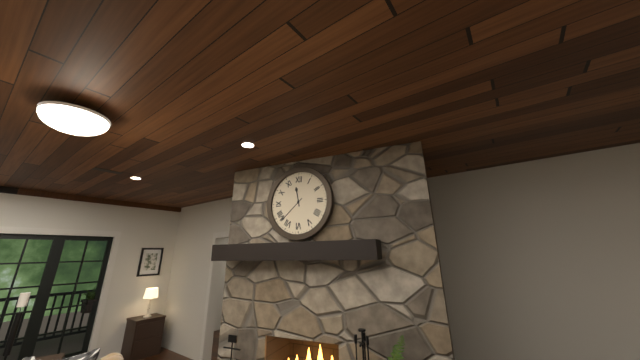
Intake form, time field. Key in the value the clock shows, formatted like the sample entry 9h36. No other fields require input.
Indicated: 11h38
